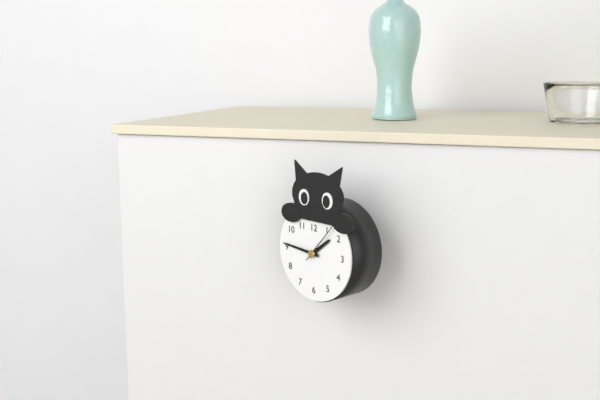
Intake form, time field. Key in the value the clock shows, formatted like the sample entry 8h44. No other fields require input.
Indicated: 1h46
